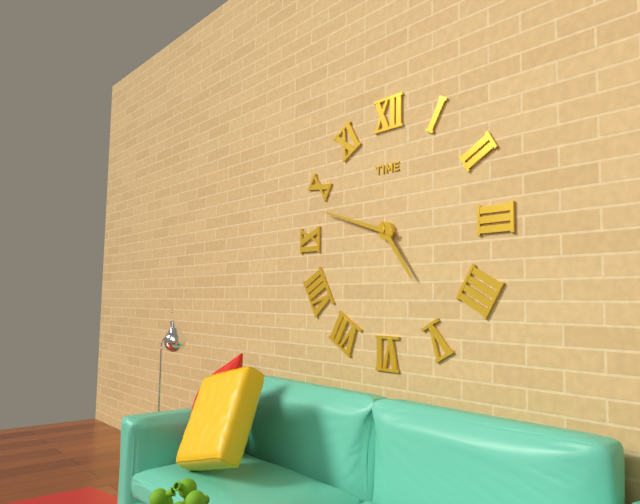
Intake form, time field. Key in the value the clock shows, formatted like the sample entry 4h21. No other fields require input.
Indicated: 4h48
